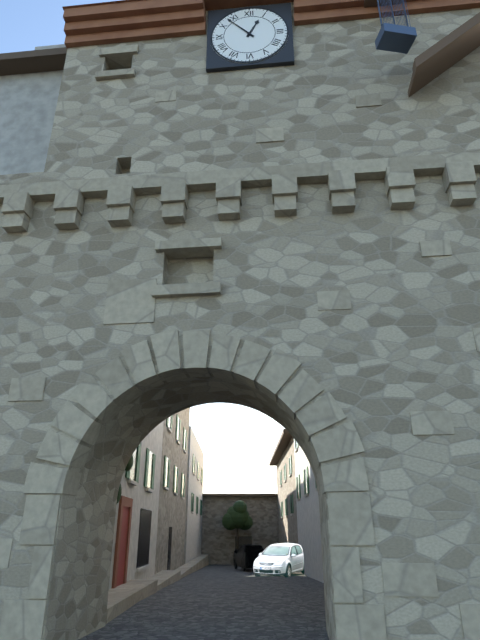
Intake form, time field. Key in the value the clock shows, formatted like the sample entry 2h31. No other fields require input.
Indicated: 12h53
